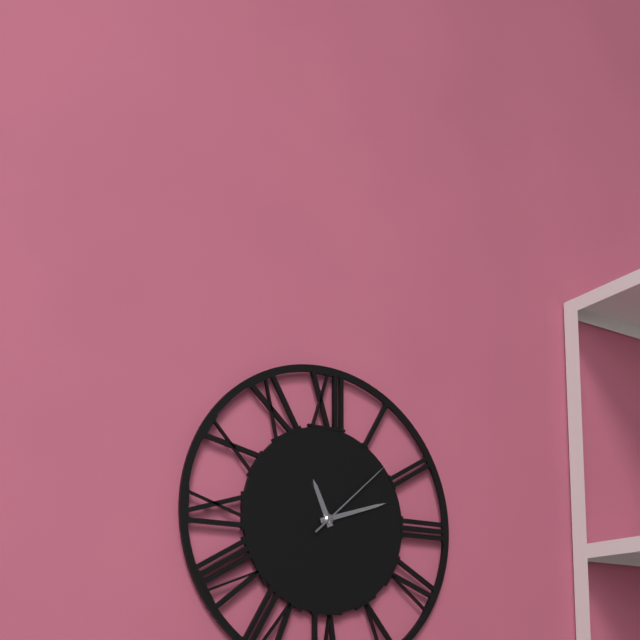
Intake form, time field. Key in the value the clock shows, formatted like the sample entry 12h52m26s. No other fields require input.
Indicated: 11h12m08s
